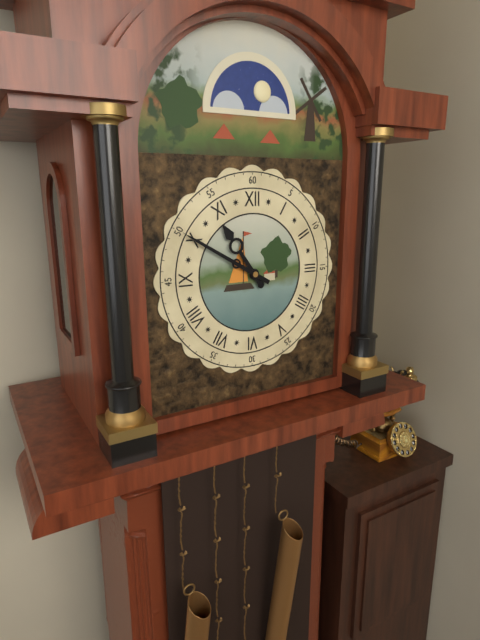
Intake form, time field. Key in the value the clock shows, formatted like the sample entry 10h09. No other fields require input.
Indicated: 10h50
